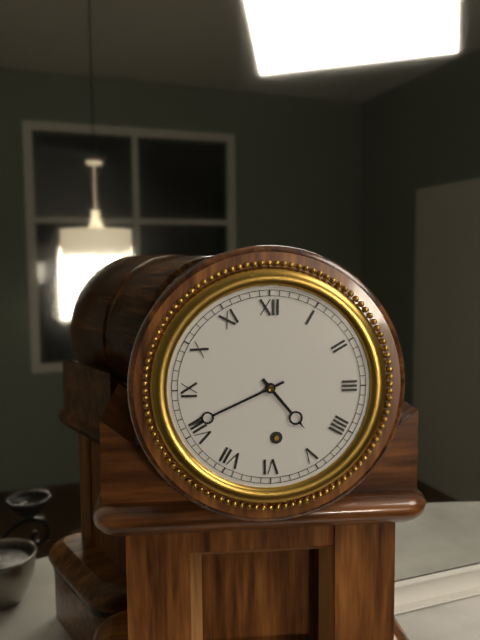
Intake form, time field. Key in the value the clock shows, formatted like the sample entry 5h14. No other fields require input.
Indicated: 4h41
